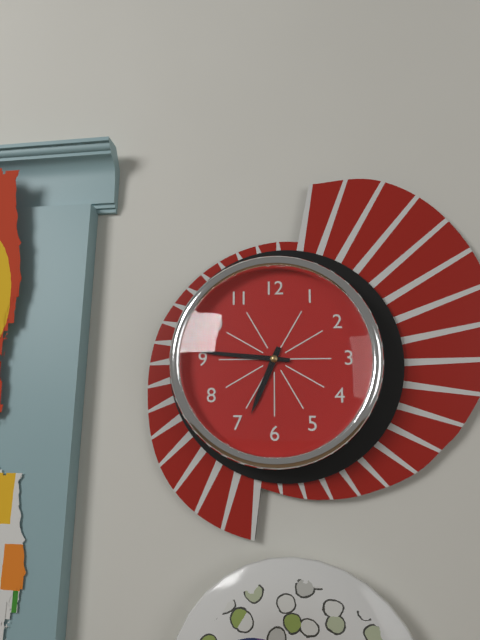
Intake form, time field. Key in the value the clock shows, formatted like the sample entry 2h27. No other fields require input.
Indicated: 6h46
